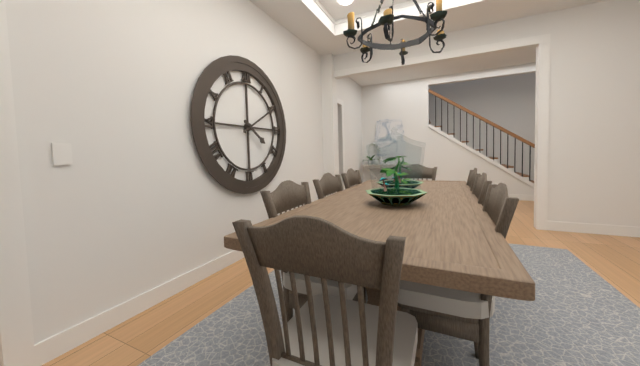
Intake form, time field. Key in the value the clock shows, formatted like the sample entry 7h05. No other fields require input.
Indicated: 4h10
